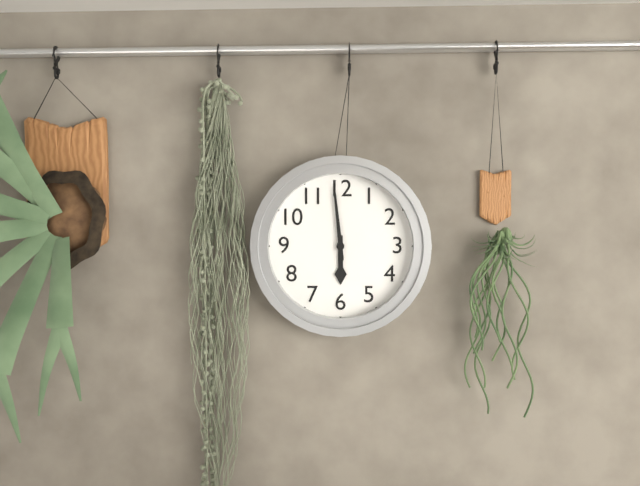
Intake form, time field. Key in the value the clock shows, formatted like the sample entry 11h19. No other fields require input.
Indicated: 5h59
